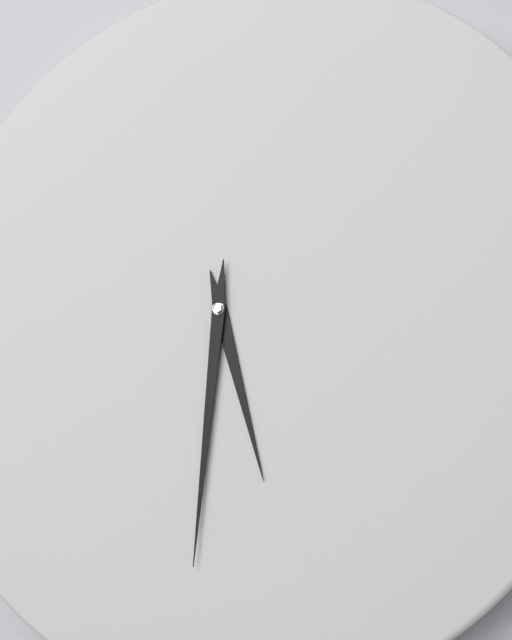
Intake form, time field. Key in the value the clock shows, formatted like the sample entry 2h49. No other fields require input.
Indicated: 5h31
